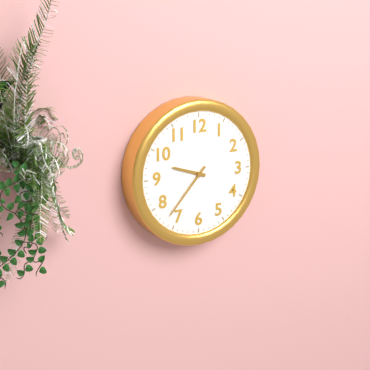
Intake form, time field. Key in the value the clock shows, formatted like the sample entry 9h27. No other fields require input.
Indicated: 9h37
